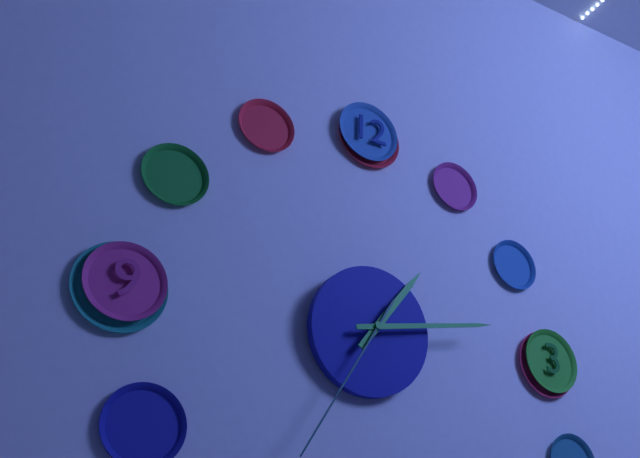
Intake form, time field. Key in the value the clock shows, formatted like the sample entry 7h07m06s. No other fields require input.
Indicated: 1h13m35s
